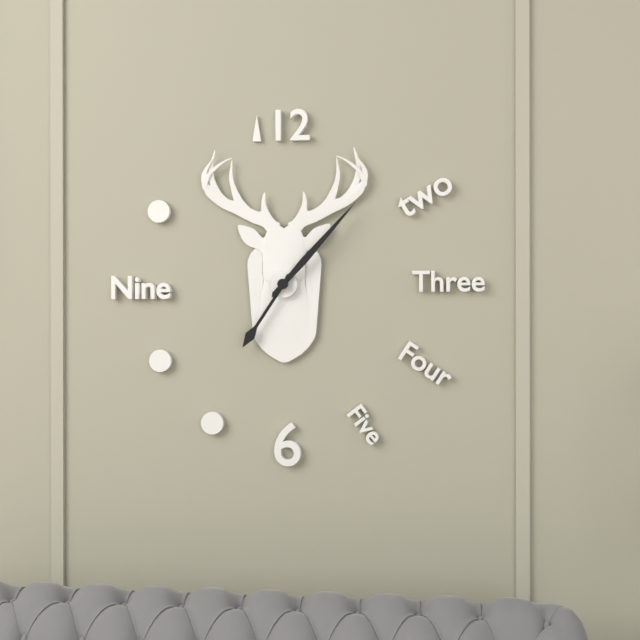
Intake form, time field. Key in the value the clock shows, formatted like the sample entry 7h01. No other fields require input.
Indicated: 7h07
